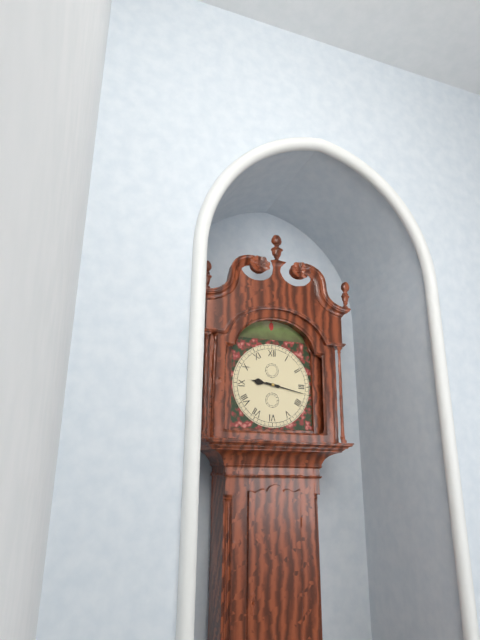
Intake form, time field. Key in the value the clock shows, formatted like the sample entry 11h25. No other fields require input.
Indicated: 9h17
